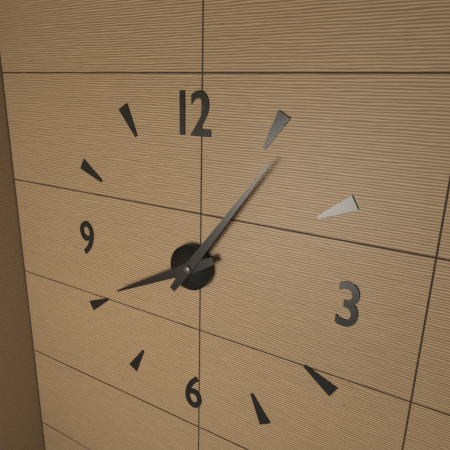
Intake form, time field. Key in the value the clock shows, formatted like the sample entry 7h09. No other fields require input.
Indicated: 8h06
